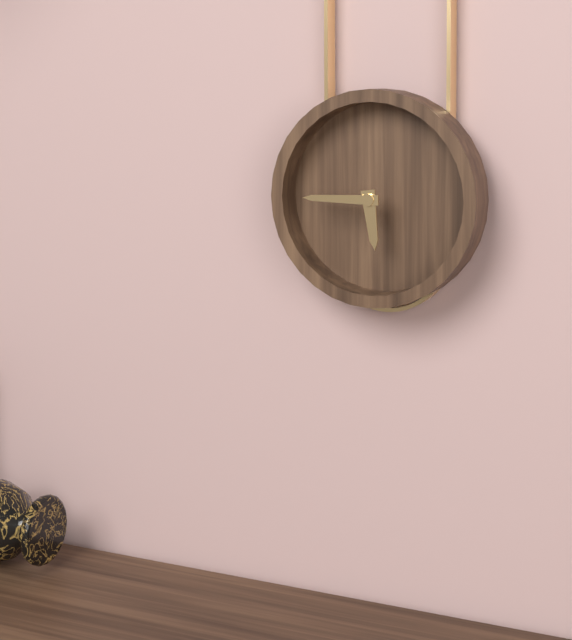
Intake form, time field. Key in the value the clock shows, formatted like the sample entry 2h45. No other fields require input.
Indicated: 5h45
